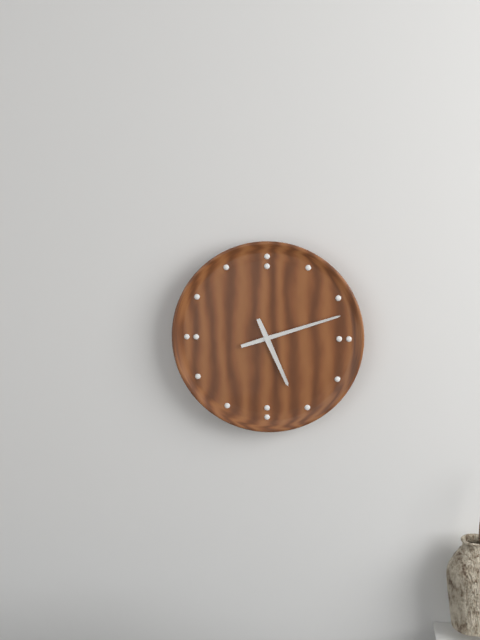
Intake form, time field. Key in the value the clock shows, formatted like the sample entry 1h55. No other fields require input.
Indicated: 5h12
